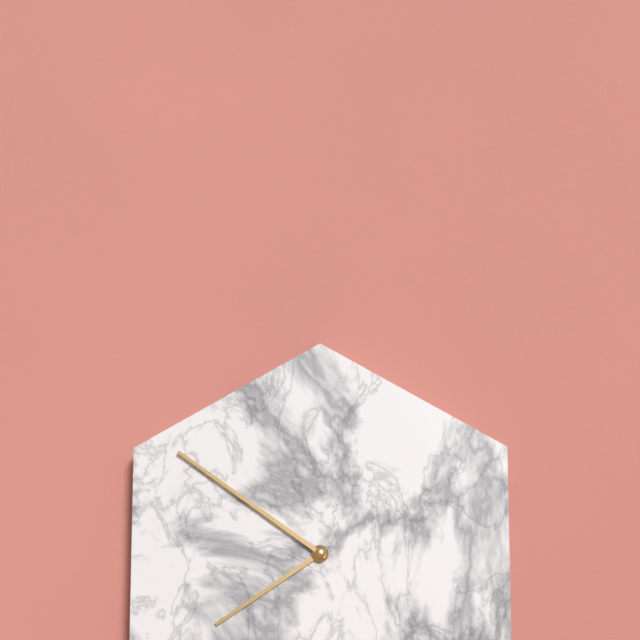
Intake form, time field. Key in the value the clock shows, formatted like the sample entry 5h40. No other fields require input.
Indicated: 7h51
